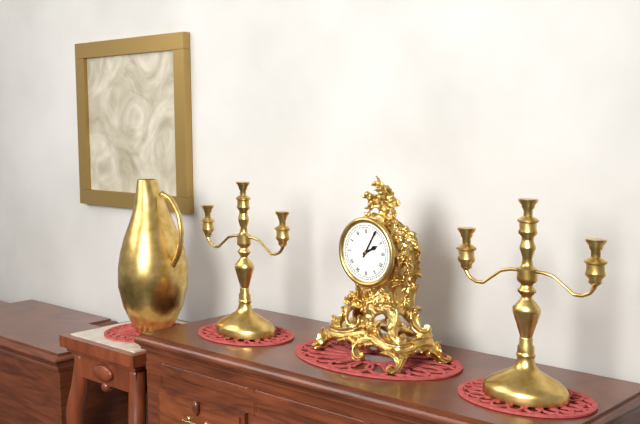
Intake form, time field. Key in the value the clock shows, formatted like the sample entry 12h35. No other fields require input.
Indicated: 2h05
